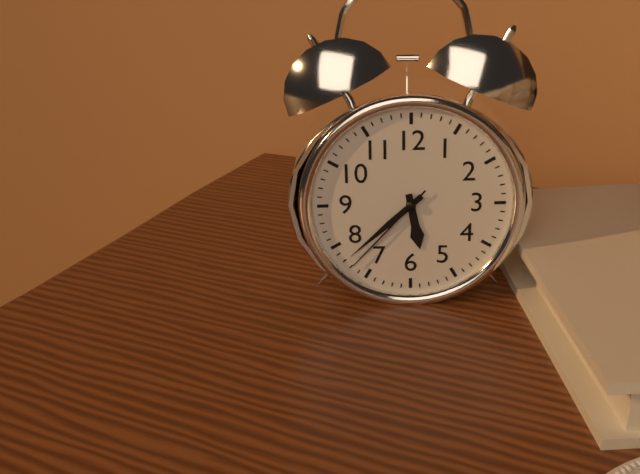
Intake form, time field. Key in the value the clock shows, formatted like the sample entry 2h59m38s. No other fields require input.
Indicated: 5h38m37s
